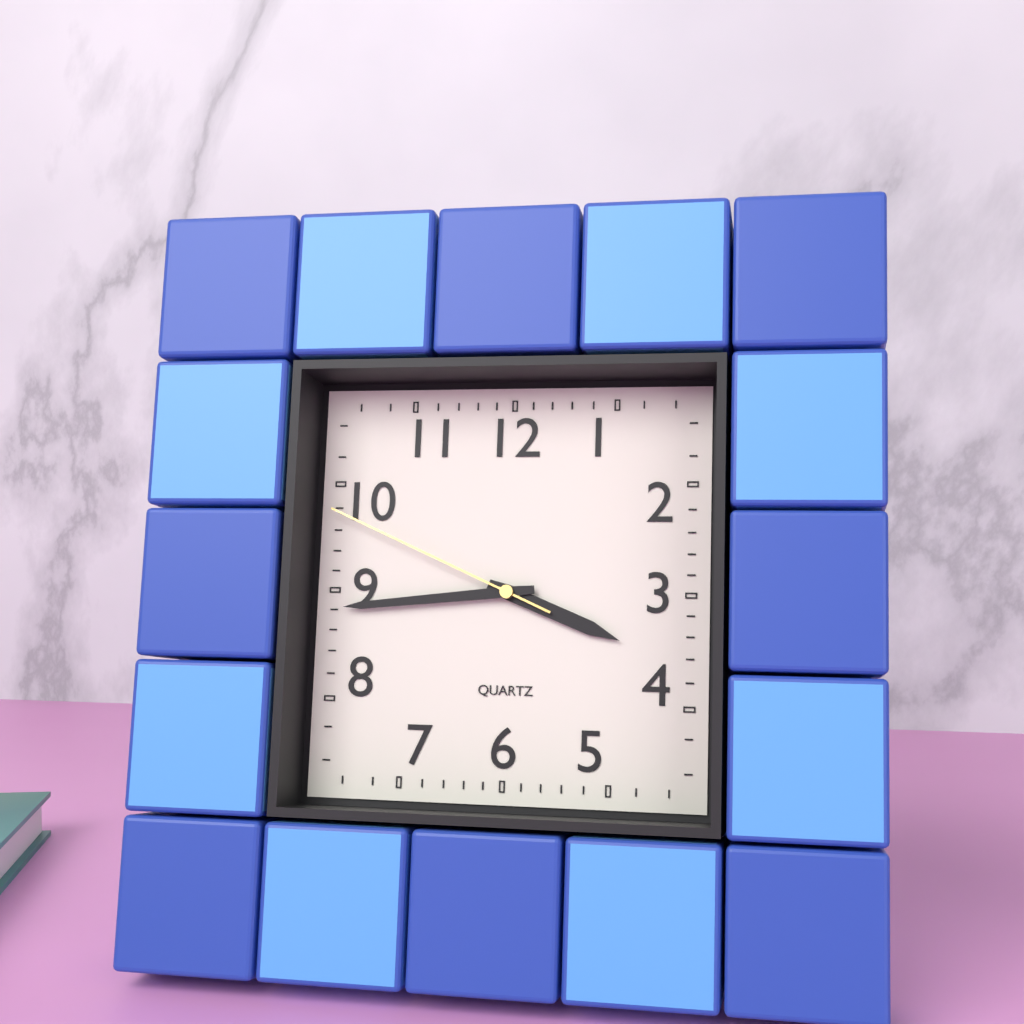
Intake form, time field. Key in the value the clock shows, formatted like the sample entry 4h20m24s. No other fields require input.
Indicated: 3h44m49s
